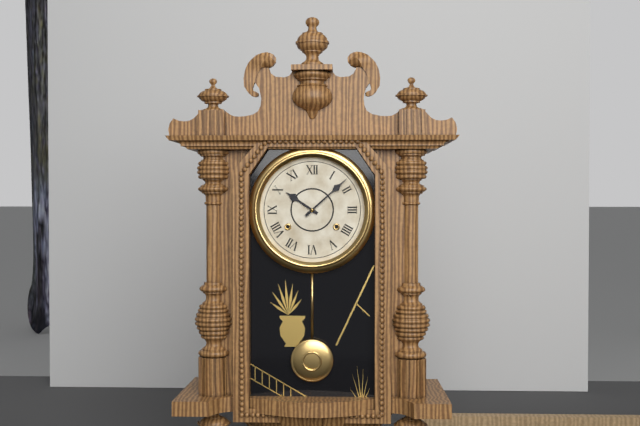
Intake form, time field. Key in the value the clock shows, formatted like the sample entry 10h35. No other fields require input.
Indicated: 10h08
